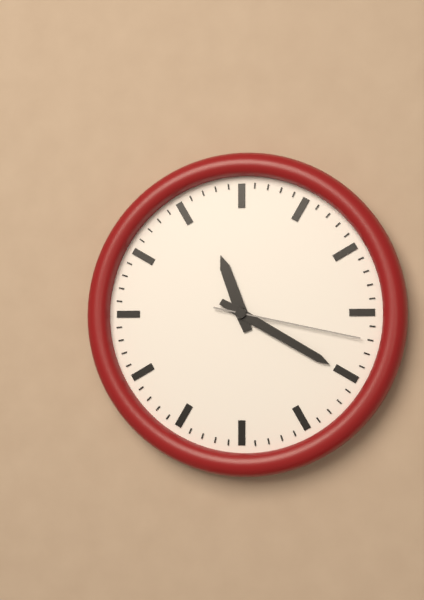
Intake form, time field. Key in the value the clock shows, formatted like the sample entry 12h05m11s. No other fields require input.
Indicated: 11h20m17s
